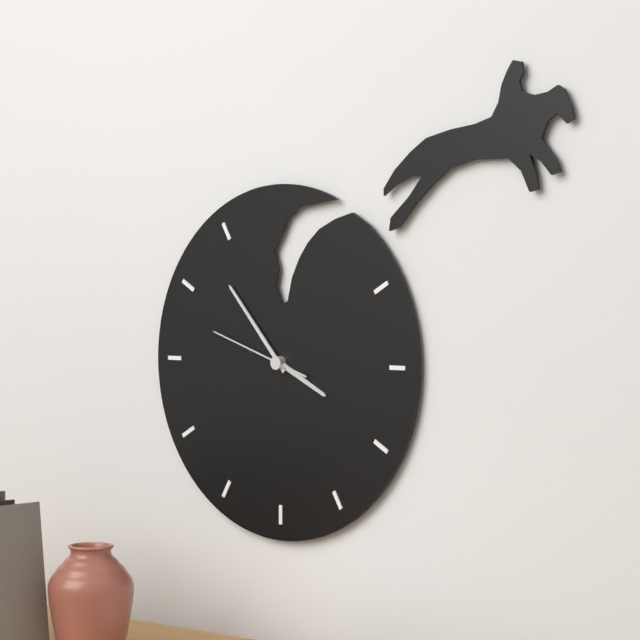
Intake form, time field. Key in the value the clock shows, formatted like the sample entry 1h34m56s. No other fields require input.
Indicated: 3h53m48s
